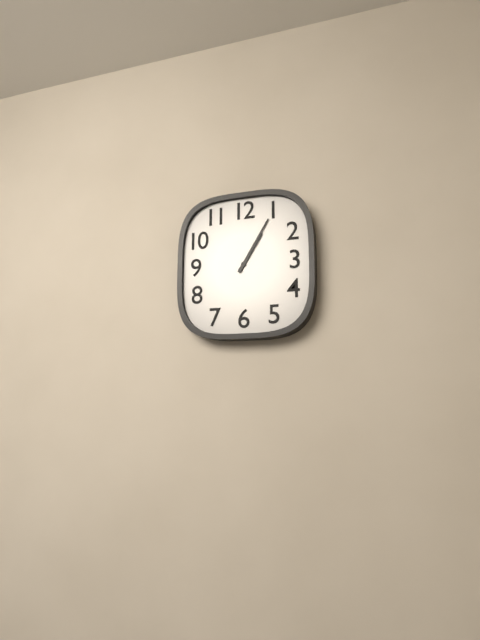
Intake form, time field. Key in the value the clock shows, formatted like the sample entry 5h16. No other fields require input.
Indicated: 1h05
